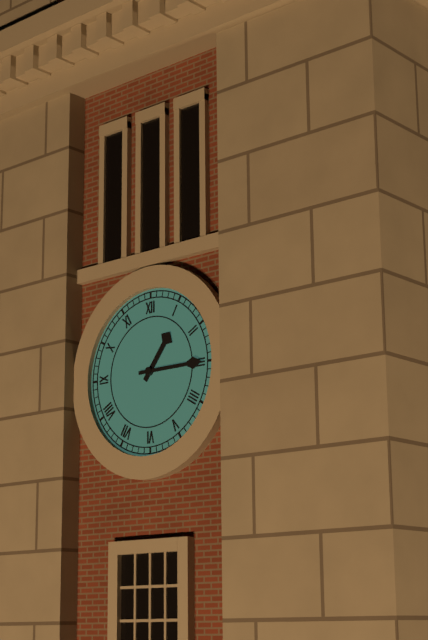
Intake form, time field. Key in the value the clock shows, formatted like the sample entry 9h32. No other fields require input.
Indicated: 1h15
